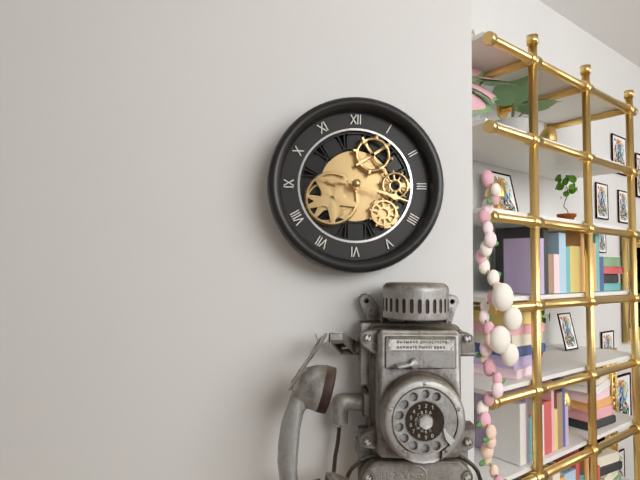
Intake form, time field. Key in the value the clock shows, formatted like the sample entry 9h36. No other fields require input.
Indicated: 9h18
